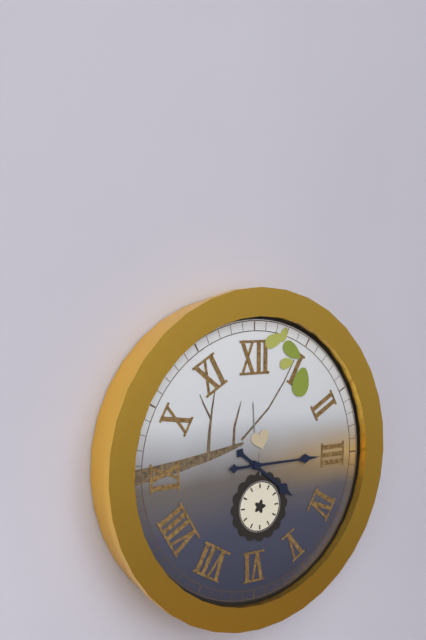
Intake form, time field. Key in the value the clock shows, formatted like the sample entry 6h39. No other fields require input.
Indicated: 4h15
